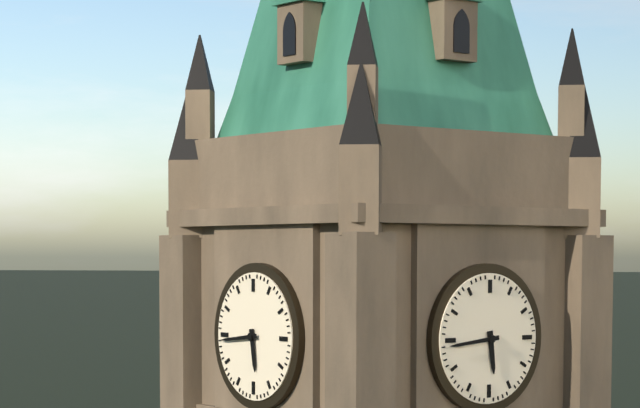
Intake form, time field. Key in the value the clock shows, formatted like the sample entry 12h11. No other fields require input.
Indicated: 5h44
